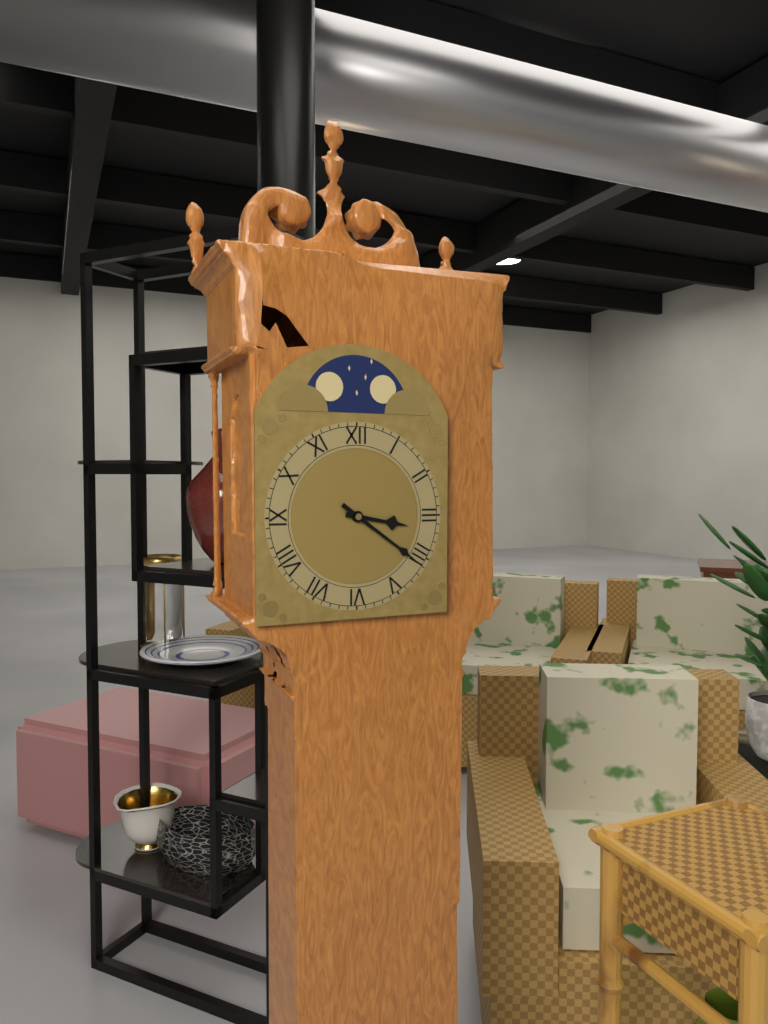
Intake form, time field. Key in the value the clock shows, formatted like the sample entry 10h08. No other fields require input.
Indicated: 3h21
